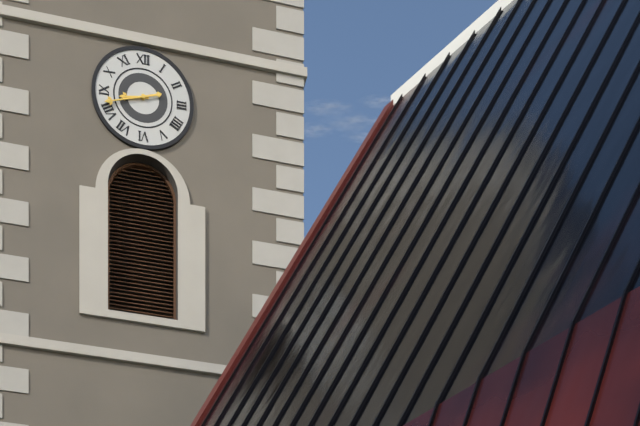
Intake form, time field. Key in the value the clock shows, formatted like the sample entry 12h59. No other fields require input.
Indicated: 8h42
